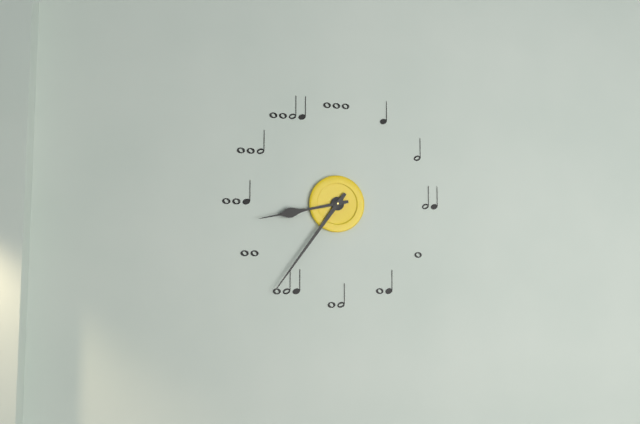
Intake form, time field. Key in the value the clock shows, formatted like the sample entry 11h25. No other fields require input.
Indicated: 8h36
